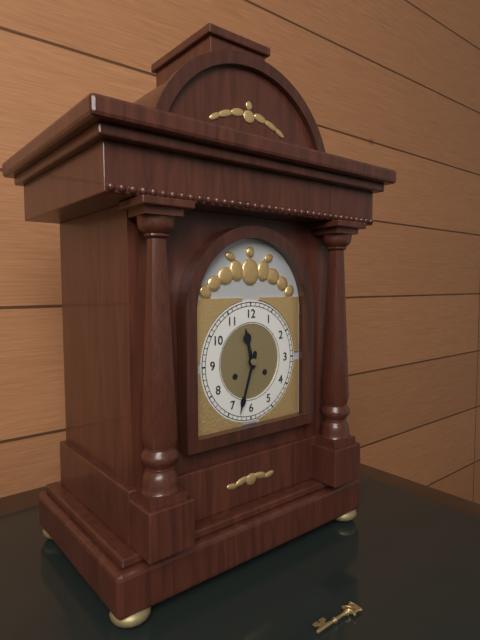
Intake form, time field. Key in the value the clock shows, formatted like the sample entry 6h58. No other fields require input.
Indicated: 11h33
